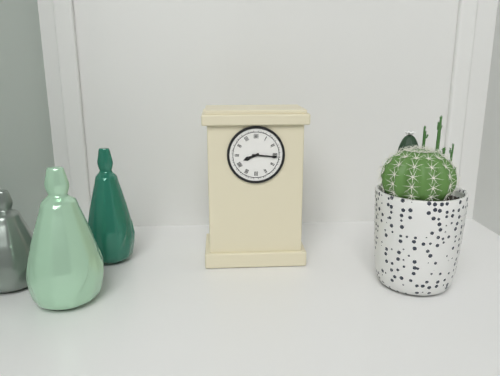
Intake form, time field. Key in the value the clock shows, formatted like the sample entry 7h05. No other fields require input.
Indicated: 8h16
